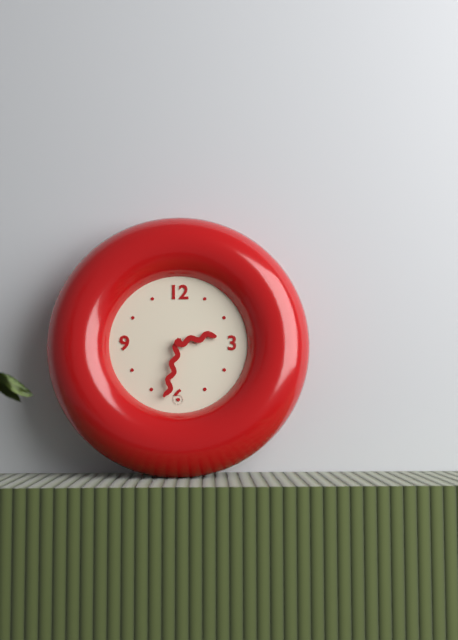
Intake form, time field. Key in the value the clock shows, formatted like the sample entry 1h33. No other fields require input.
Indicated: 2h32
